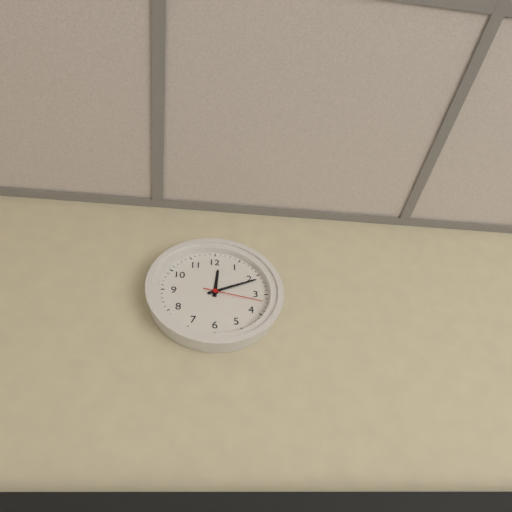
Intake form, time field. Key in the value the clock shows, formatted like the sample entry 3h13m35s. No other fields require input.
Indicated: 12h11m17s
